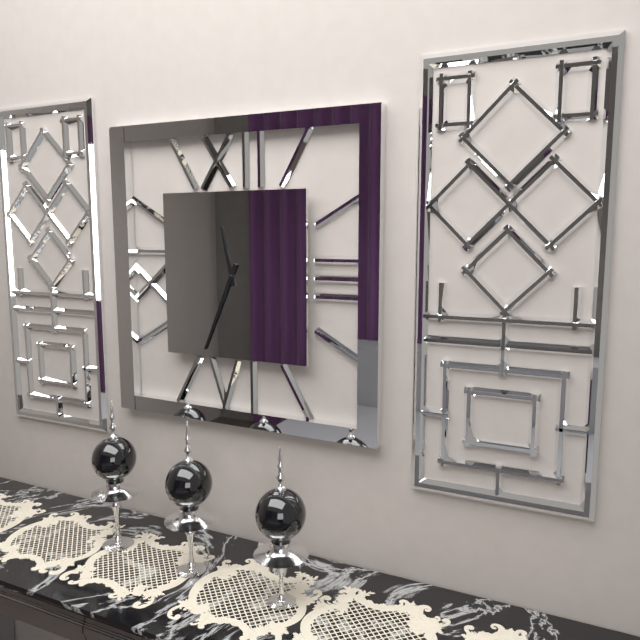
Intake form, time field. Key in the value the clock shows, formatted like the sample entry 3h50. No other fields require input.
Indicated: 11h34
